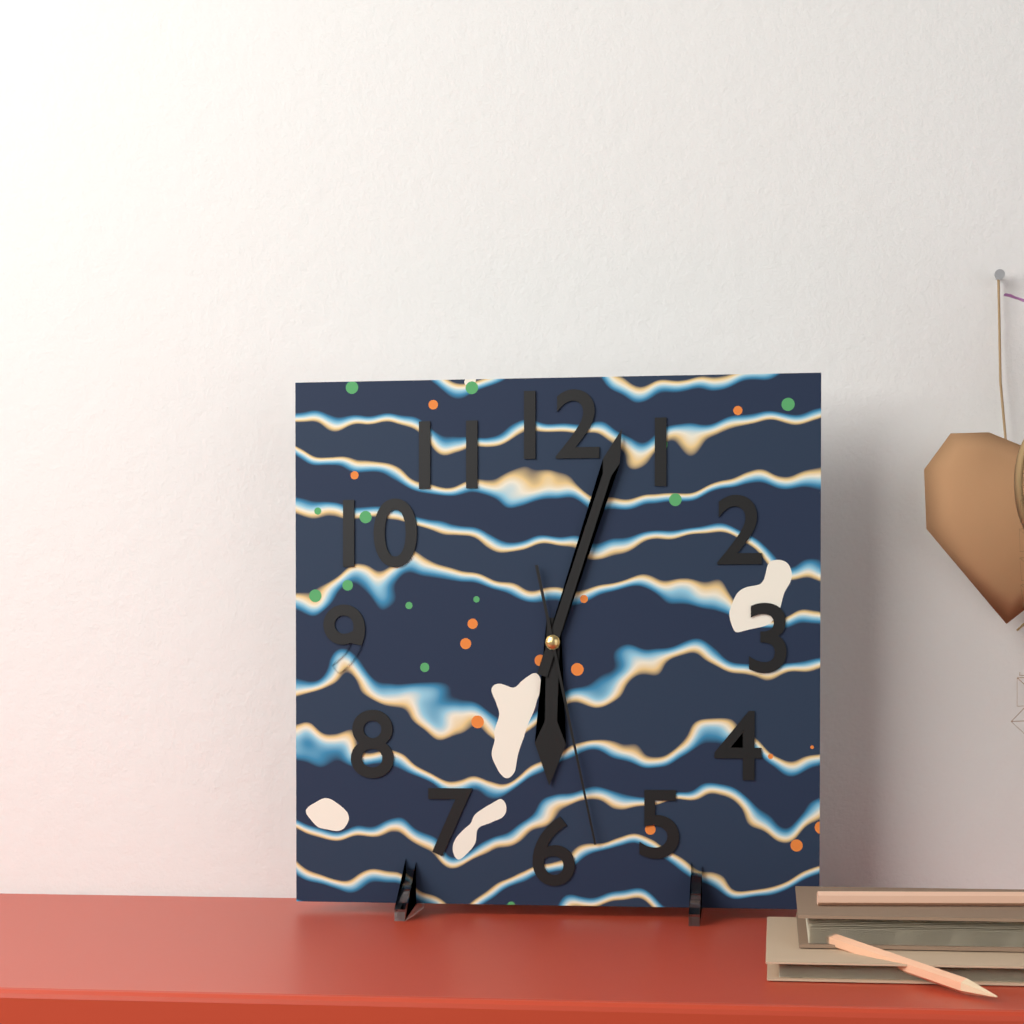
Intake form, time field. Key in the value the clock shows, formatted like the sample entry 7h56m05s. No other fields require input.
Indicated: 6h03m28s
